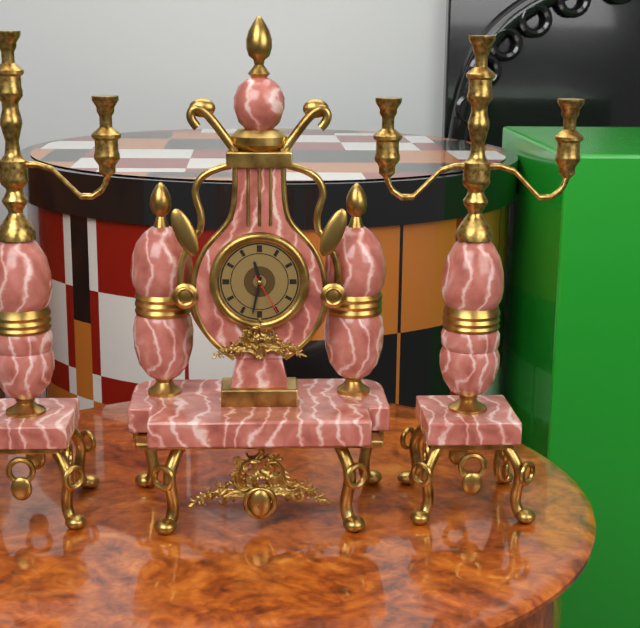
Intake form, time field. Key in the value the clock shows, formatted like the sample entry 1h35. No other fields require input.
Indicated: 11h32
